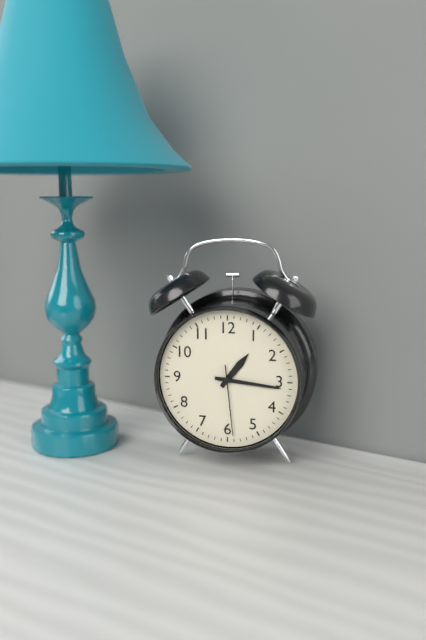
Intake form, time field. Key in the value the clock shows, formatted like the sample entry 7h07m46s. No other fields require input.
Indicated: 1h16m29s
